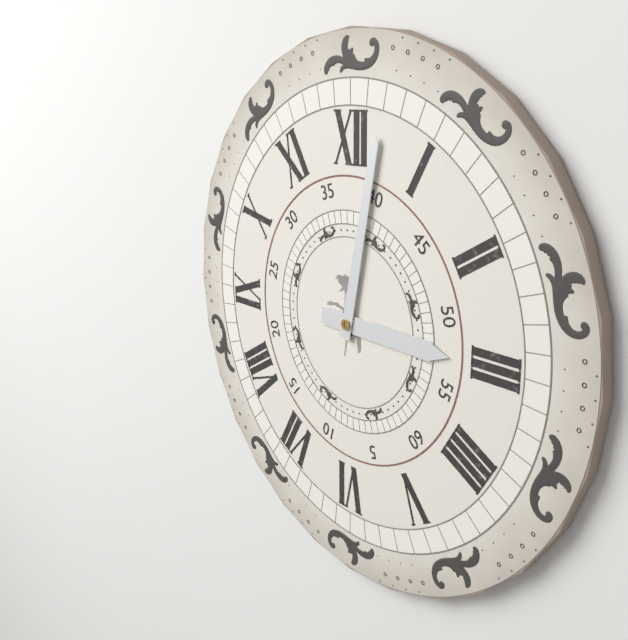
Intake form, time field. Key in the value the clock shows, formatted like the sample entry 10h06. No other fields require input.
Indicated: 3h02
